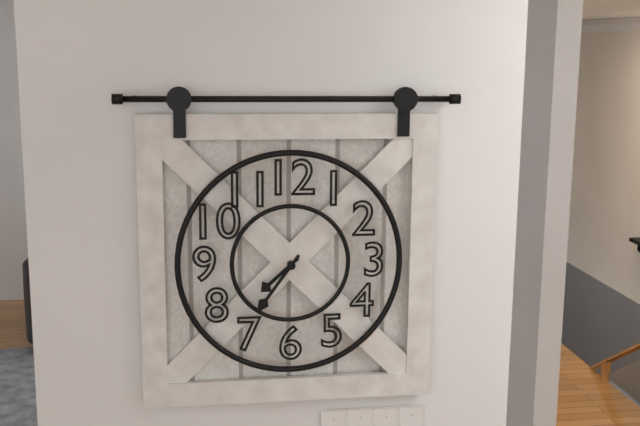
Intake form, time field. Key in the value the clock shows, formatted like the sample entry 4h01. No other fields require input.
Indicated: 7h36
